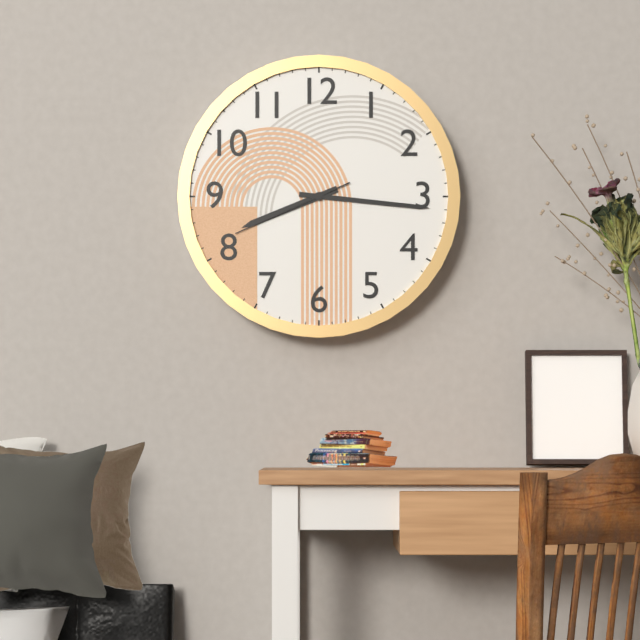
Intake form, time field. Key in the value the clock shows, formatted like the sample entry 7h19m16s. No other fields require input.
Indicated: 8h16m41s
